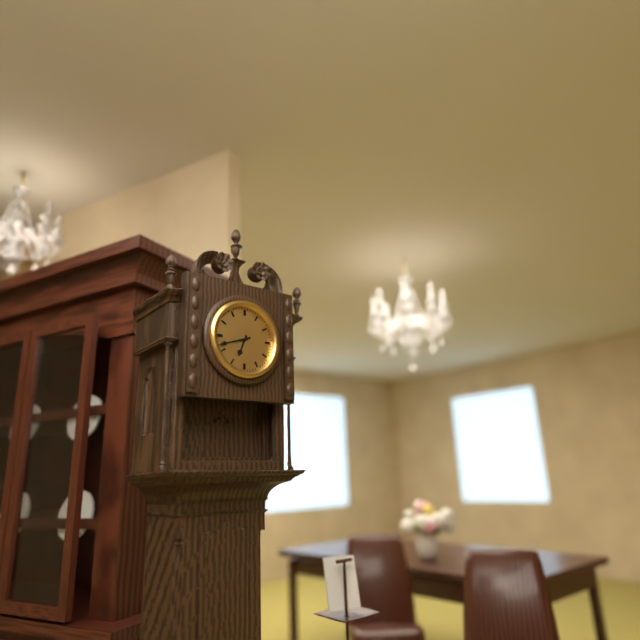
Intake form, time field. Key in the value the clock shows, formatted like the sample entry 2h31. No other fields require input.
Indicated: 6h42
